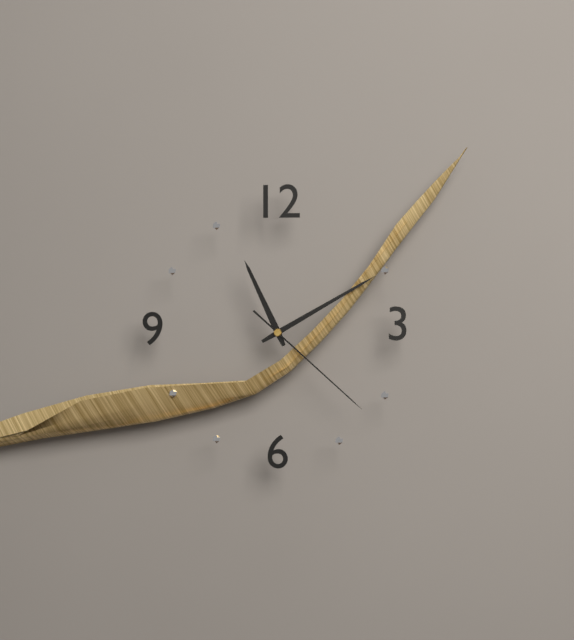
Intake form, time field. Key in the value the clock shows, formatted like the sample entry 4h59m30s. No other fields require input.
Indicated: 11h10m22s
